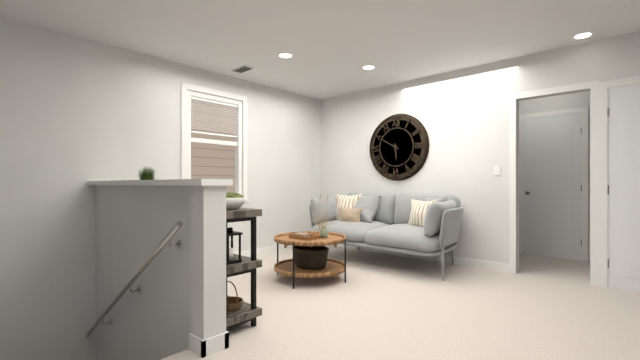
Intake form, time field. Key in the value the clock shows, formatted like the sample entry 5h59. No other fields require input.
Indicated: 5h50
